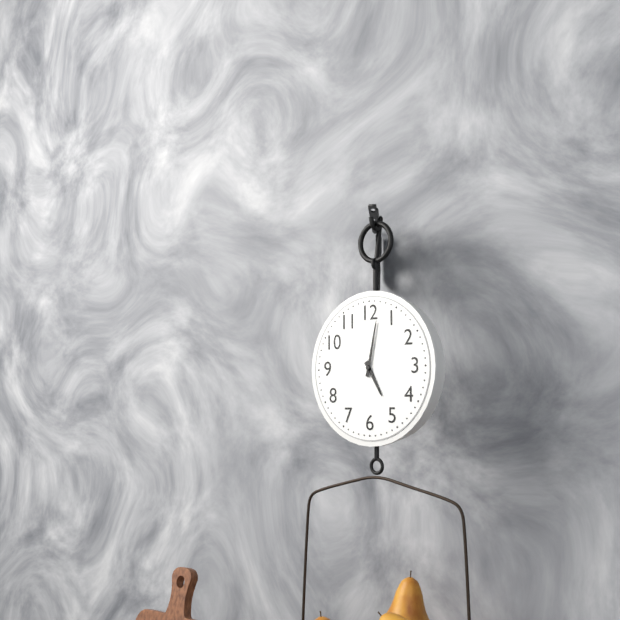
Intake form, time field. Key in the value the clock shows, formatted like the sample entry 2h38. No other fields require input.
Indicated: 5h02
